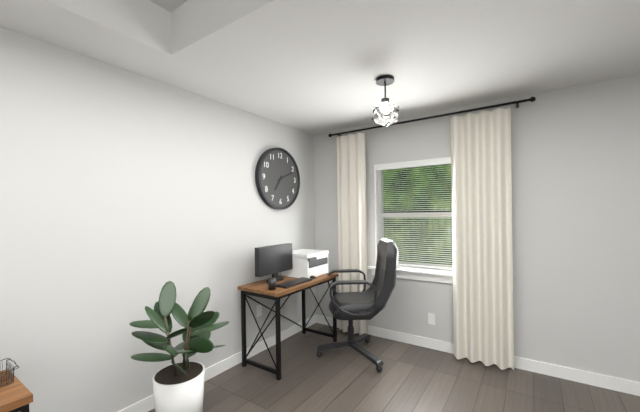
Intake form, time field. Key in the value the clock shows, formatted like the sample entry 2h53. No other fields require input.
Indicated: 7h11
